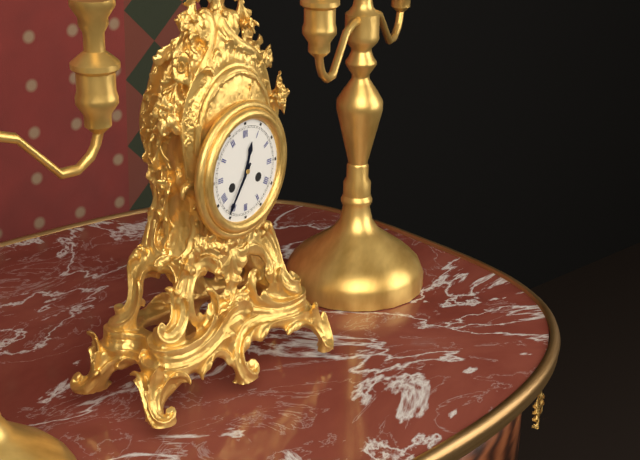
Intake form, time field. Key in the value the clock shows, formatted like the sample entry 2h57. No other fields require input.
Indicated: 12h36
